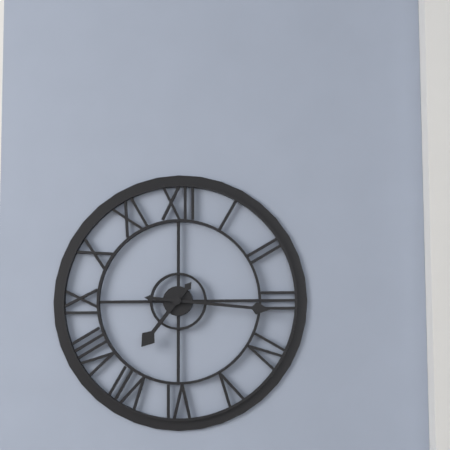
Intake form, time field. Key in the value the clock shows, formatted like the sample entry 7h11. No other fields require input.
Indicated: 7h16
